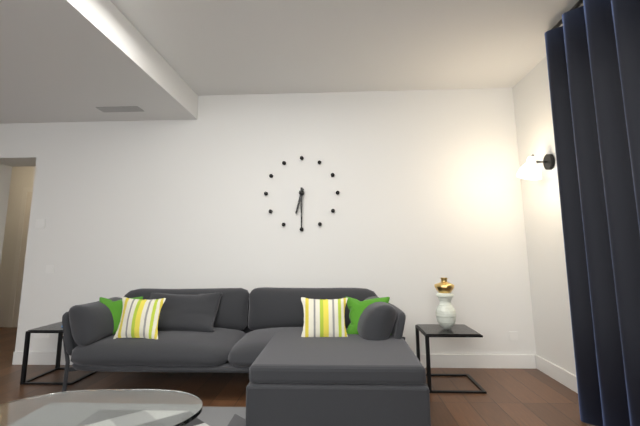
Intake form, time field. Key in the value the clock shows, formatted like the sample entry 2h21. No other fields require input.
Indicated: 6h30
